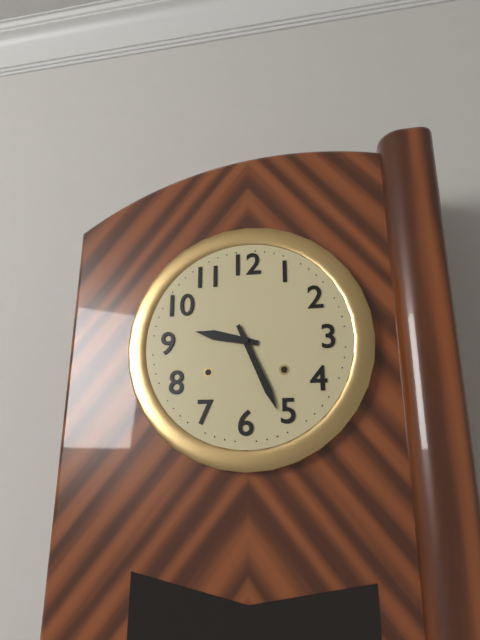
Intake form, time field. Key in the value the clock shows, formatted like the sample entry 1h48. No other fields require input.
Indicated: 9h26
